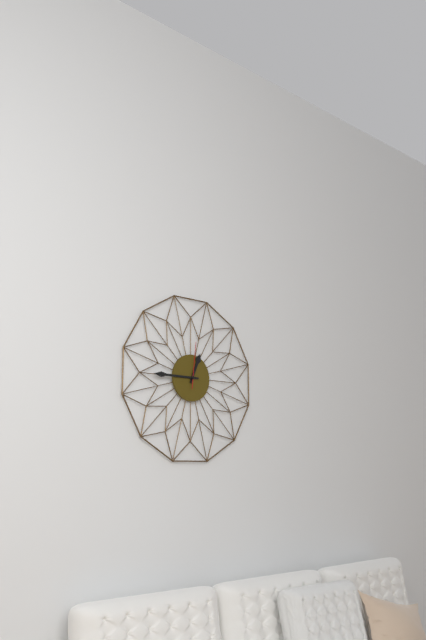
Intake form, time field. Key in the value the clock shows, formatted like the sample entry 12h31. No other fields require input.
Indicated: 12h45
